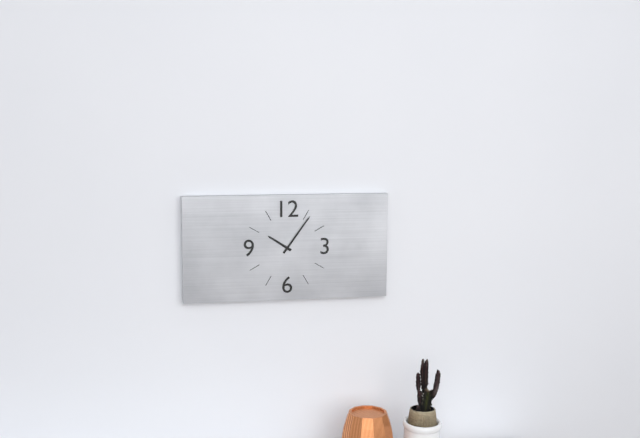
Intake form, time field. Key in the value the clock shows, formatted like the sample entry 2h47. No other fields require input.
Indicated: 10h06
